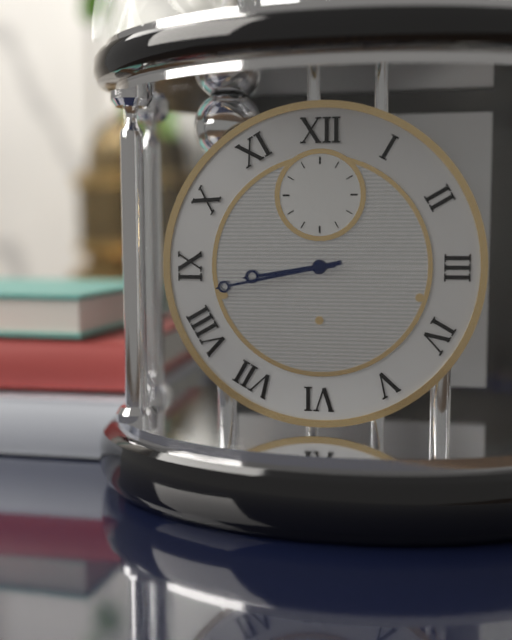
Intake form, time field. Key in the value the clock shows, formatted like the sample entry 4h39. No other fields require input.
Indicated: 8h43
